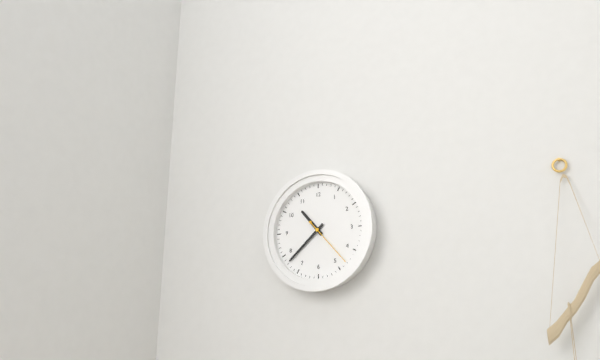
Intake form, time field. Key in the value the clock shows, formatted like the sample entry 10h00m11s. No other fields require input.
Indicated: 10h38m23s
